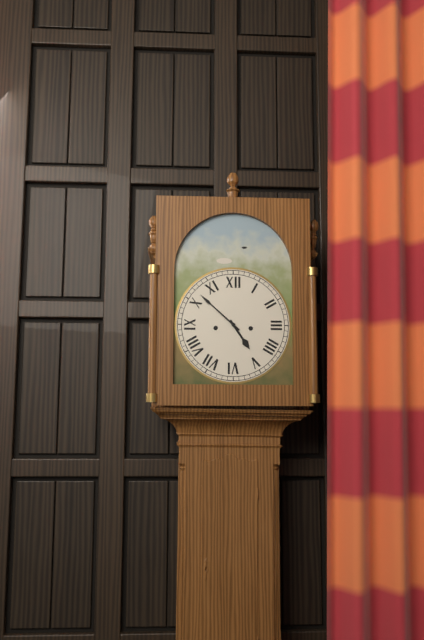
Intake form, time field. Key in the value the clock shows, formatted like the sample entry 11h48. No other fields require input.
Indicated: 4h52
